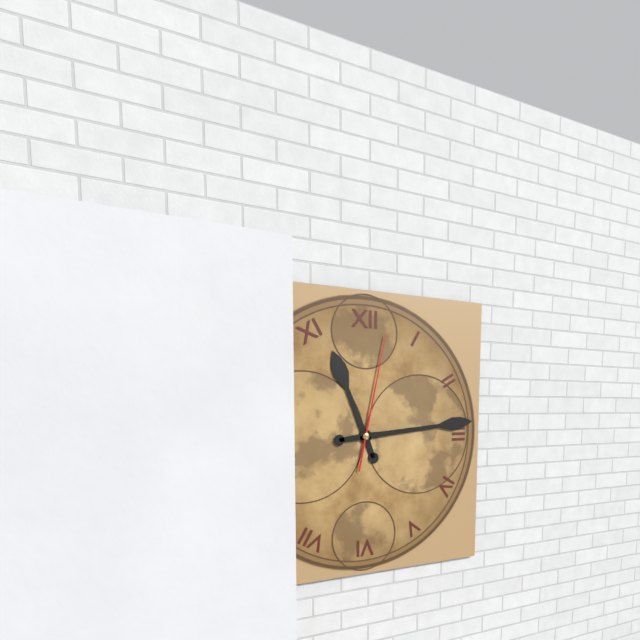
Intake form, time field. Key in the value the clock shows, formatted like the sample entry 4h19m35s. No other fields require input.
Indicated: 11h14m02s
